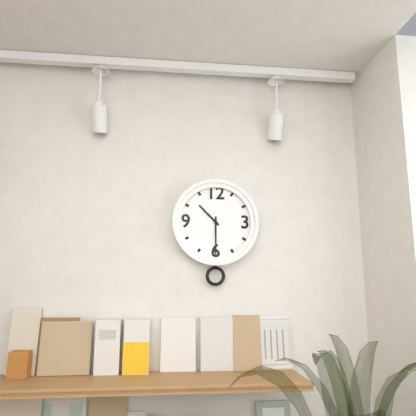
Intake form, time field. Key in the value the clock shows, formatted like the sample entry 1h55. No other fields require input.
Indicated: 10h30
